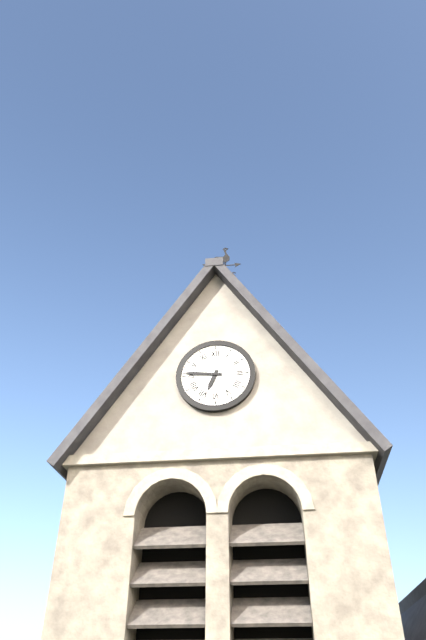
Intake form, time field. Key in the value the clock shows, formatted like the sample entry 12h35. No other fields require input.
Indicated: 6h46
